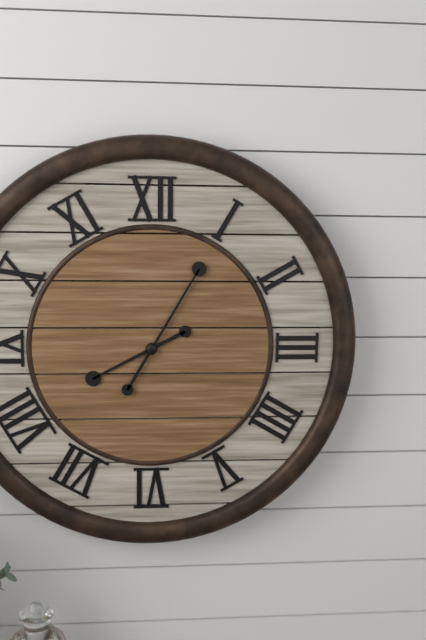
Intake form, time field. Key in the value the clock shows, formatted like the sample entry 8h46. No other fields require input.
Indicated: 8h05
